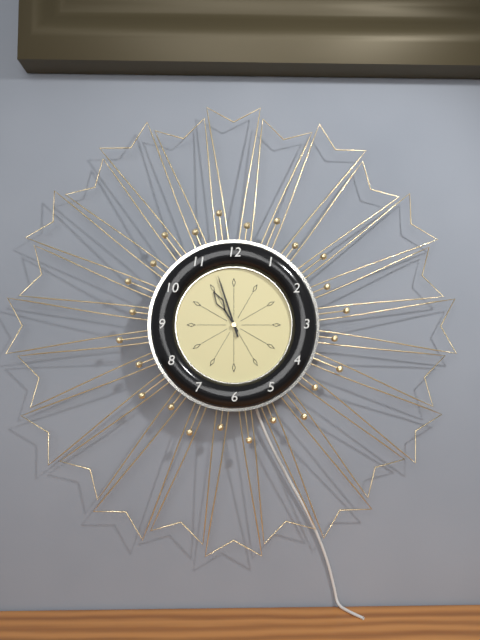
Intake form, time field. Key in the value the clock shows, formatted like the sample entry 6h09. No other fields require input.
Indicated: 10h57
